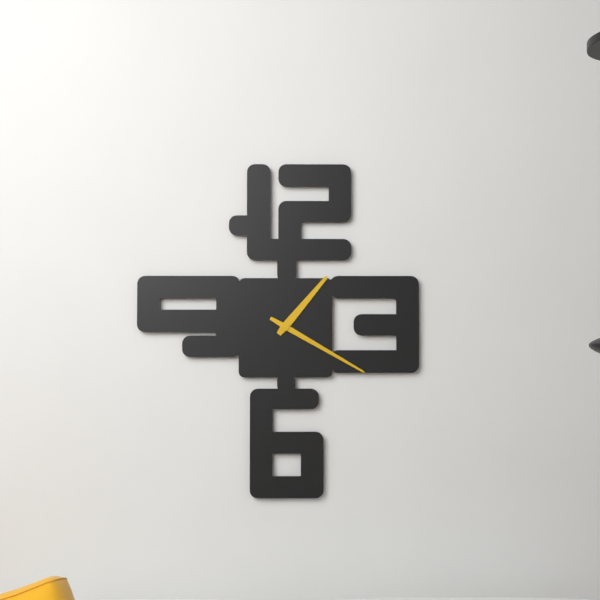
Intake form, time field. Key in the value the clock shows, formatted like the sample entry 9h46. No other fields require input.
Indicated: 1h20
